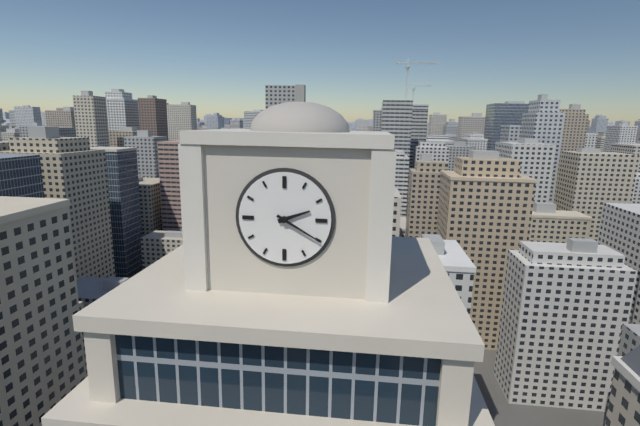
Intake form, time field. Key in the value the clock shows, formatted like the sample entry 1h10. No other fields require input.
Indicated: 2h20
